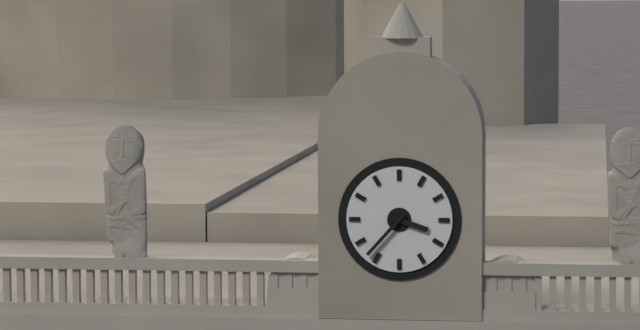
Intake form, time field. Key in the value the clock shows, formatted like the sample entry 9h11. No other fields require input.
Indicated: 3h37
